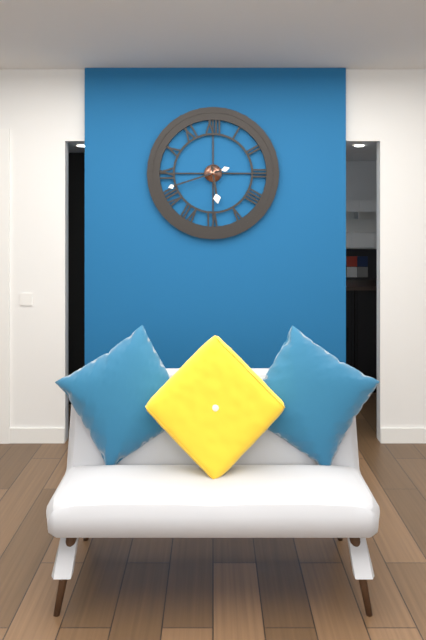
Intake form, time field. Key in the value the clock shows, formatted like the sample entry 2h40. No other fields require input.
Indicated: 5h42
